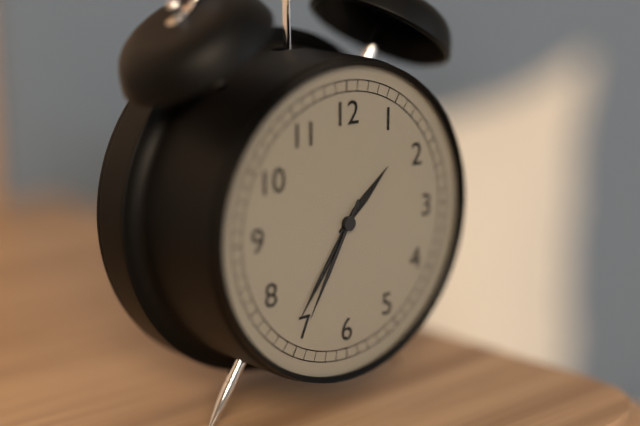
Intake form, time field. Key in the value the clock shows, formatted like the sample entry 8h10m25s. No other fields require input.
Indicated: 1h36m35s
